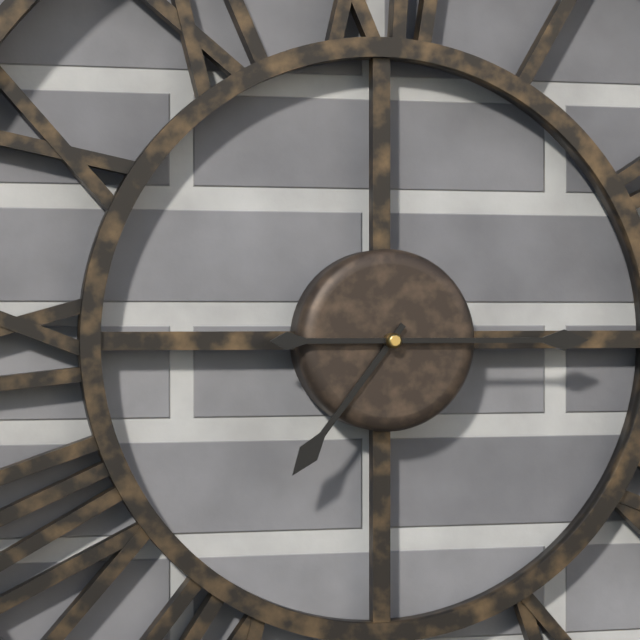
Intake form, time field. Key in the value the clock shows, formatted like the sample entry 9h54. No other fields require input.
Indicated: 7h15
